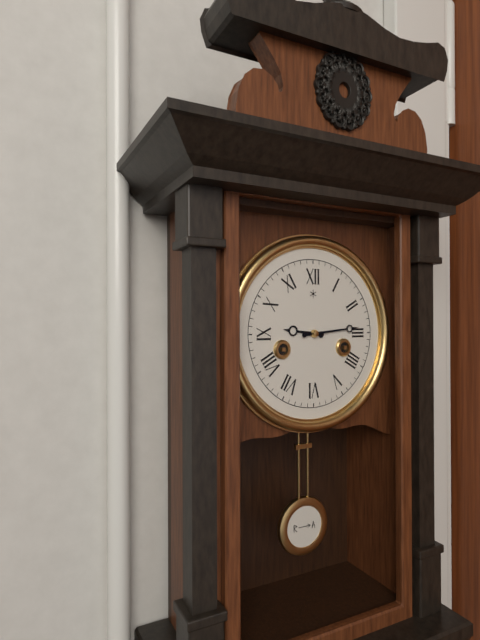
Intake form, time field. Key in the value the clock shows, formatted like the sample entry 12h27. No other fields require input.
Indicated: 9h14
